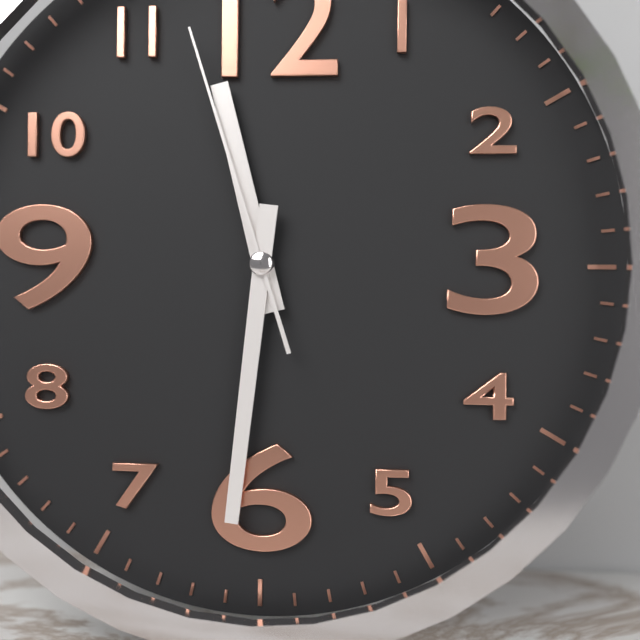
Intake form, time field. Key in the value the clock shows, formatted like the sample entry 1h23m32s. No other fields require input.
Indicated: 11h31m57s
